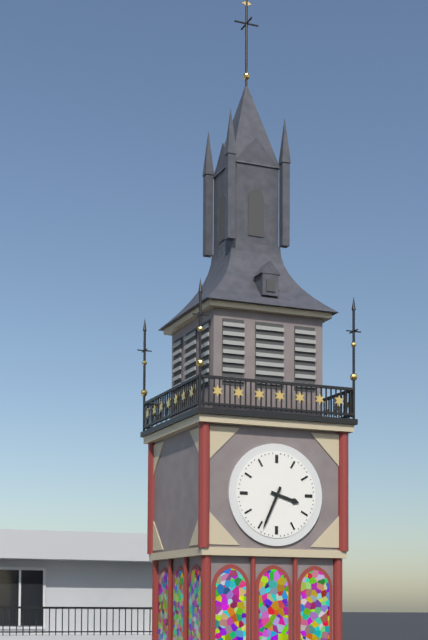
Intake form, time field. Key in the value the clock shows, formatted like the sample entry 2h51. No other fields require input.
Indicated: 3h34
